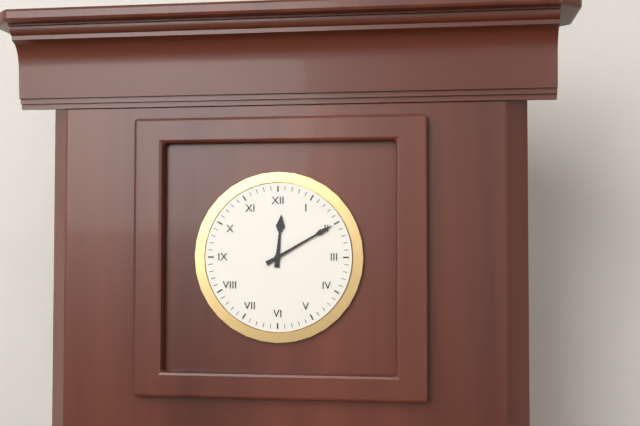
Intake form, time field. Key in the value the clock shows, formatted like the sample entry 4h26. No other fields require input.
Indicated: 12h10
